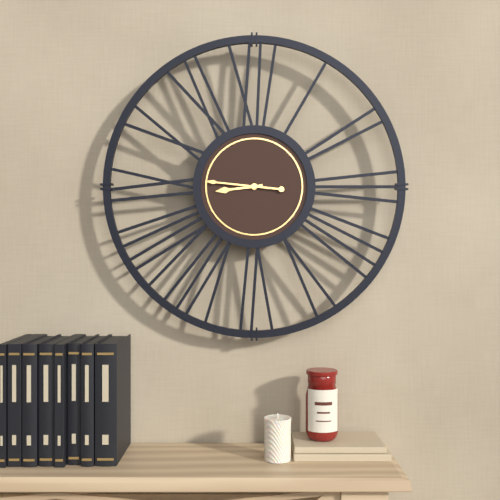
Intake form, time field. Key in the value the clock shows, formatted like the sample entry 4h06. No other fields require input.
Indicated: 8h46
